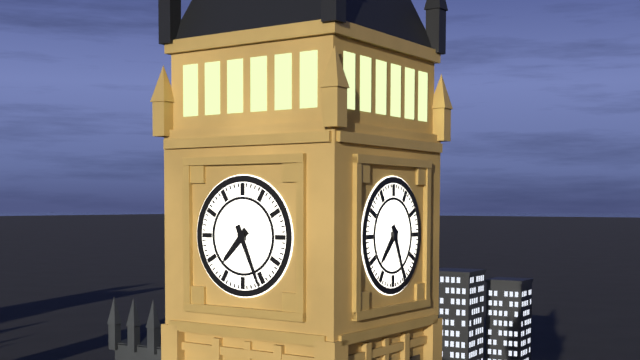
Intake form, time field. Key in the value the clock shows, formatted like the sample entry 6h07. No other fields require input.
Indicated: 7h26
